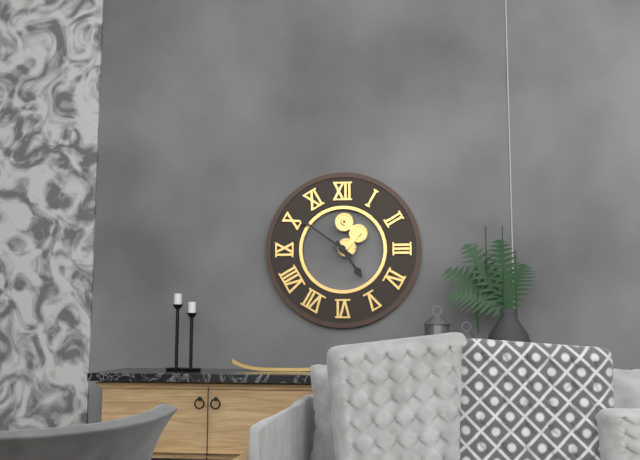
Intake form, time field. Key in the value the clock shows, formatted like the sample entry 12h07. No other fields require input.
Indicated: 4h51
